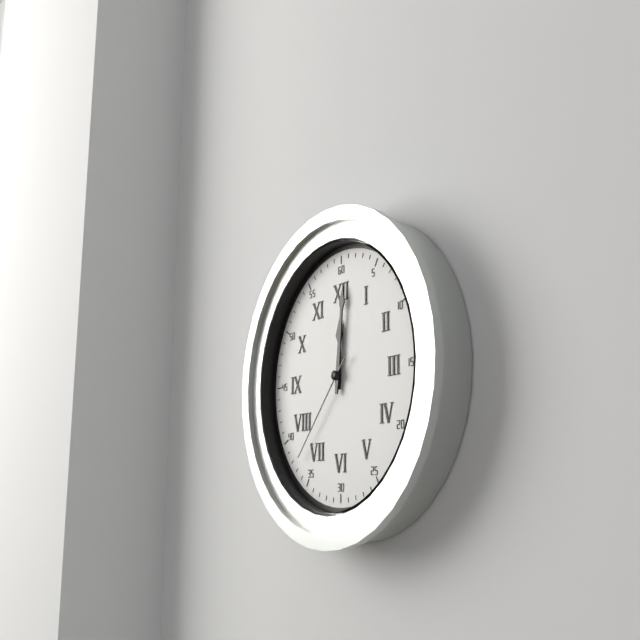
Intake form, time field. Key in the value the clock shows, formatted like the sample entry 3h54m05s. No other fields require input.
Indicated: 12h01m37s
